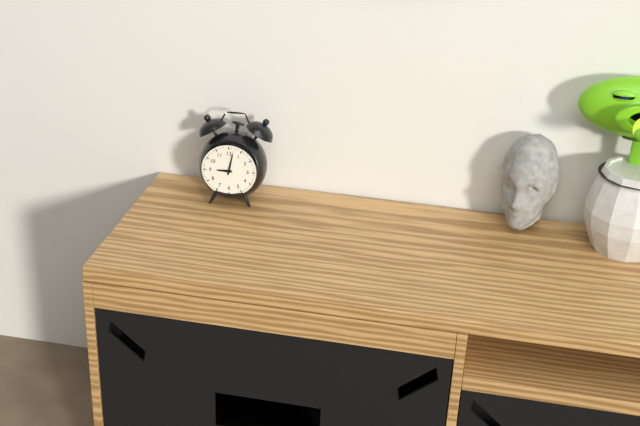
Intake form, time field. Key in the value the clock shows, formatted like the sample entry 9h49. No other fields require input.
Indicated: 9h02
